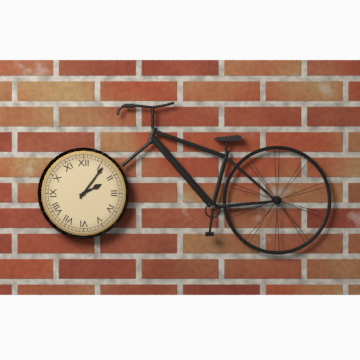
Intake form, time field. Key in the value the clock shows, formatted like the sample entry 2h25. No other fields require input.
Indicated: 2h06
